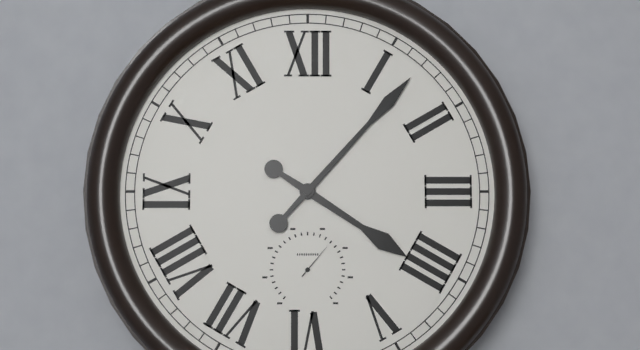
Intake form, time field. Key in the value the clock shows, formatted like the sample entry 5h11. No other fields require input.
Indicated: 4h07
